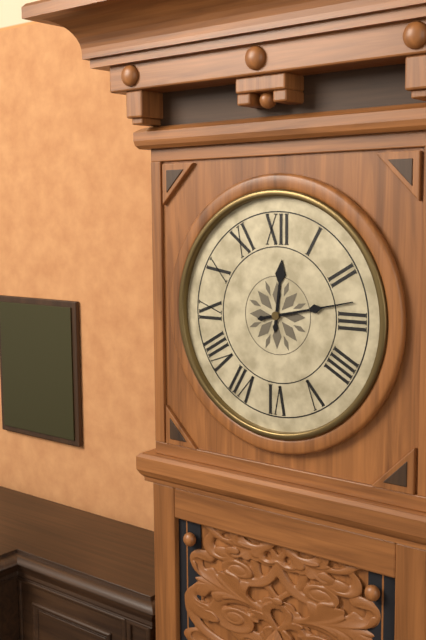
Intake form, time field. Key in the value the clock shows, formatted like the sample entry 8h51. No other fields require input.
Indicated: 12h13
